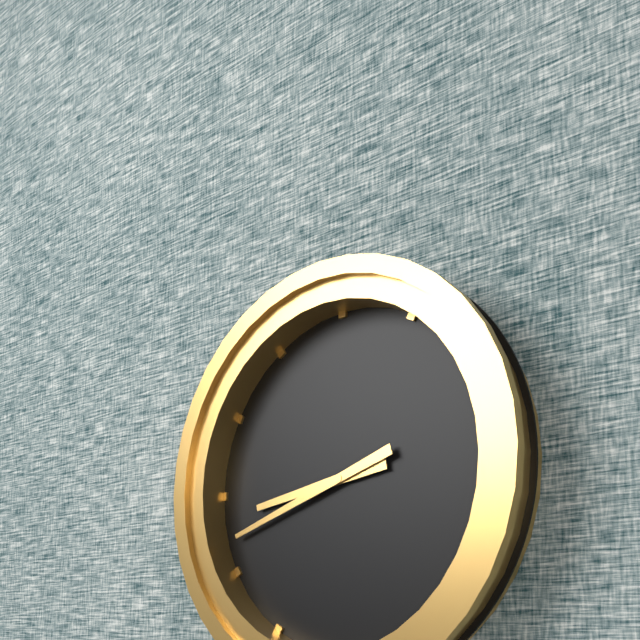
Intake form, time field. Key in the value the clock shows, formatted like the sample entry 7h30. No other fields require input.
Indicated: 8h42
